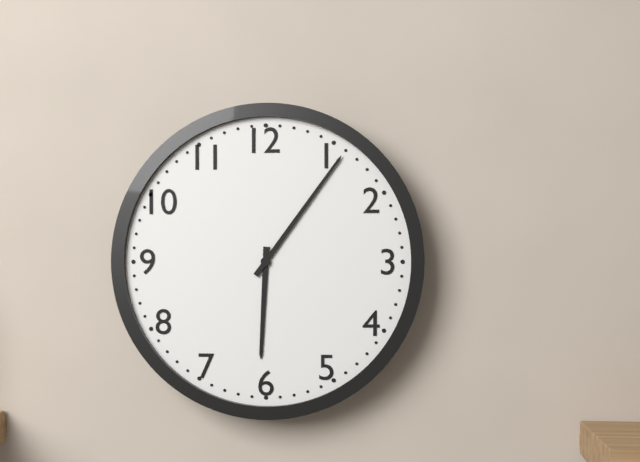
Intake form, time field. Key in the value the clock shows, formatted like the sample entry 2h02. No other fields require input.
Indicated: 6h06
